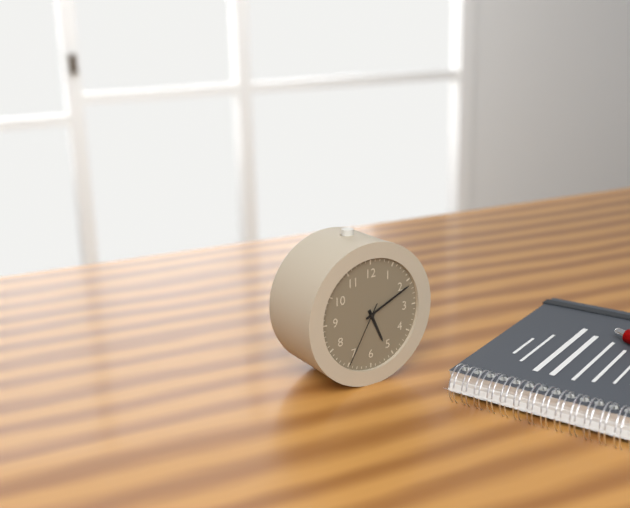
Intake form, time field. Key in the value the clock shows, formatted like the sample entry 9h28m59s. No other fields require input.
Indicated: 5h11m35s
